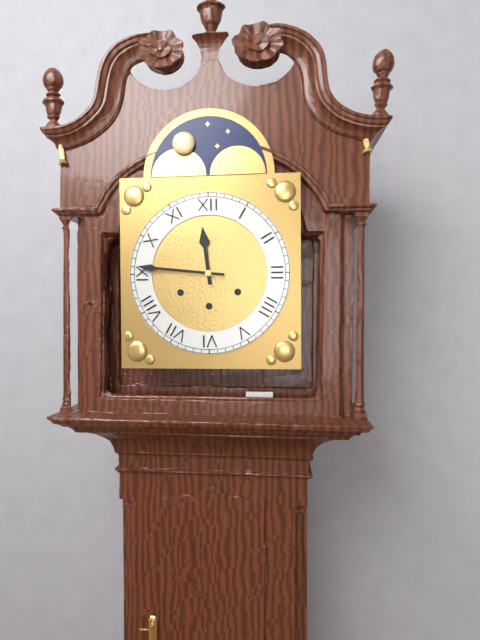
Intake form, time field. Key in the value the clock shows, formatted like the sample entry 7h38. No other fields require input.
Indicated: 11h46
